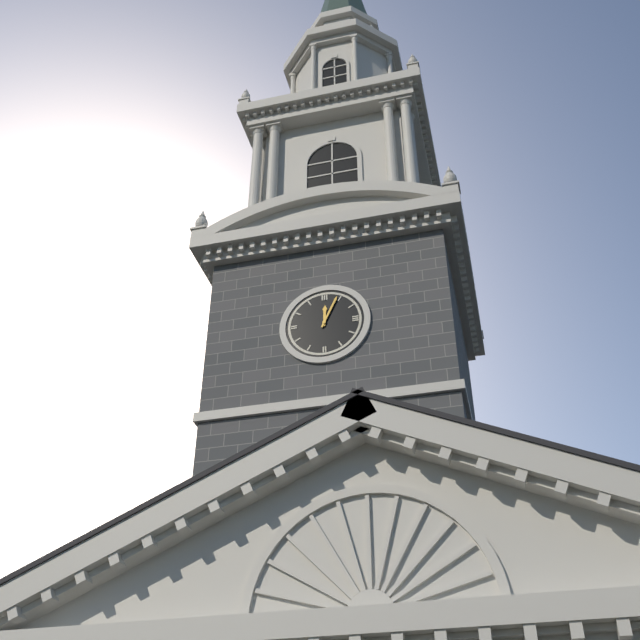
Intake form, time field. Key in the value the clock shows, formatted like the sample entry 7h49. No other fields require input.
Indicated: 12h04
